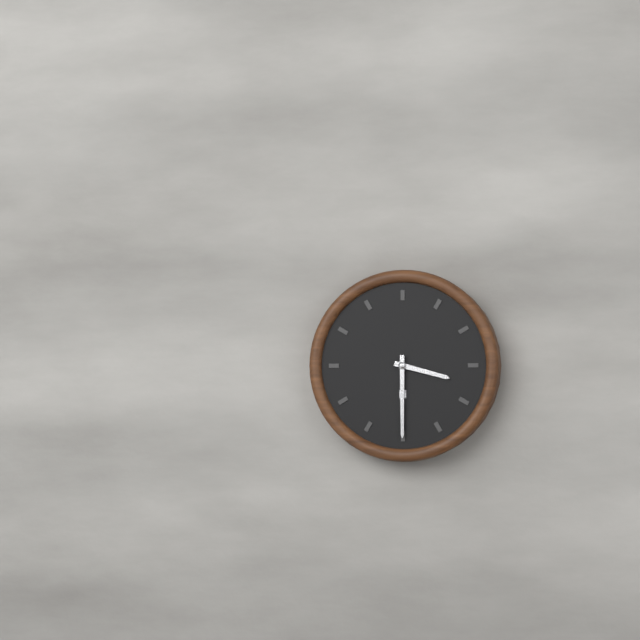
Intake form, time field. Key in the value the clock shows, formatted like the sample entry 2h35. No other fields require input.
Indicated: 3h30
